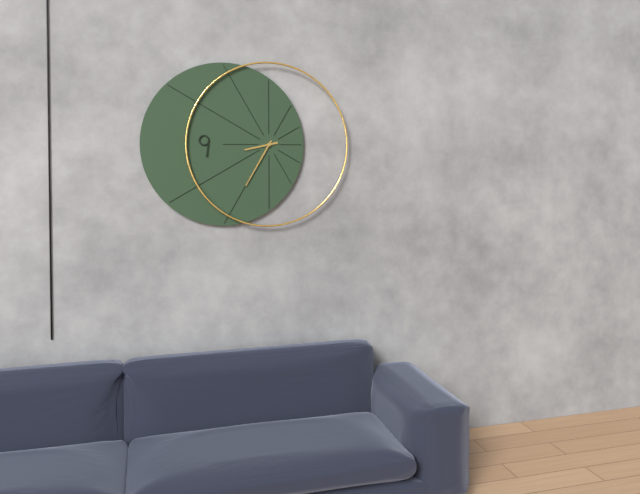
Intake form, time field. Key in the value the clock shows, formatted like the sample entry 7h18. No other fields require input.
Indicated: 8h35
